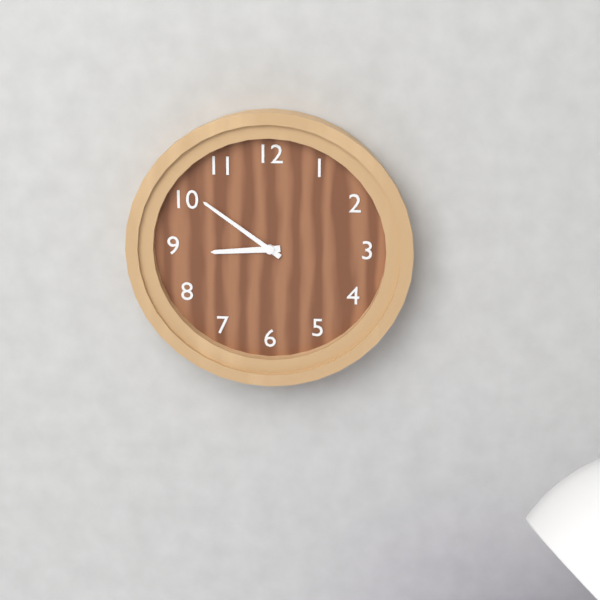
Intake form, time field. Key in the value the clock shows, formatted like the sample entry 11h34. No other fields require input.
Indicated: 8h51
